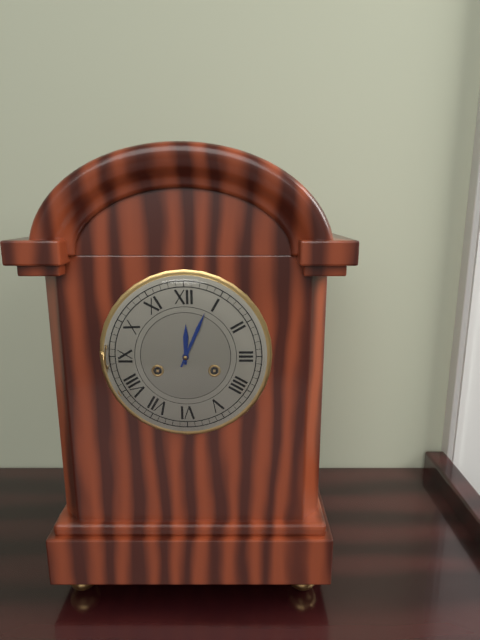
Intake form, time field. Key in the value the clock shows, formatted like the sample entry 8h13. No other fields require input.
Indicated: 12h04
